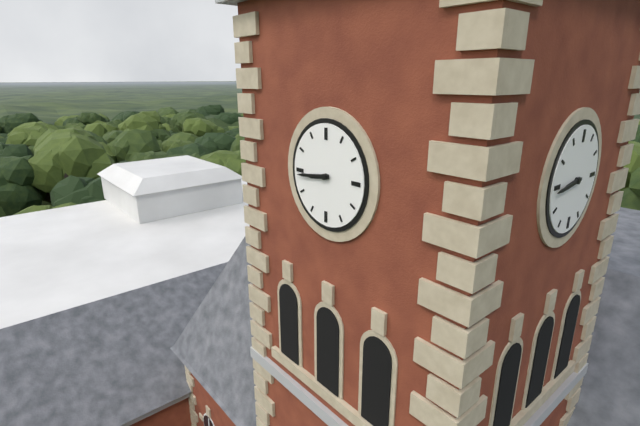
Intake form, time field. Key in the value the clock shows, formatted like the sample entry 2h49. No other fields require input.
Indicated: 8h44
